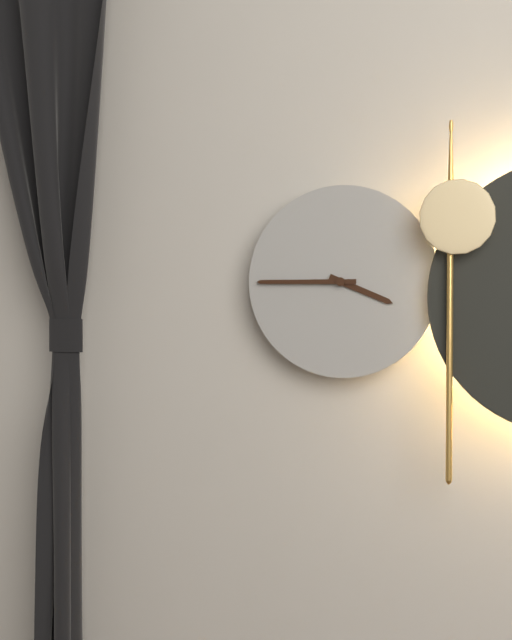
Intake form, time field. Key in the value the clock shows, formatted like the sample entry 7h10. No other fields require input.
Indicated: 3h45
